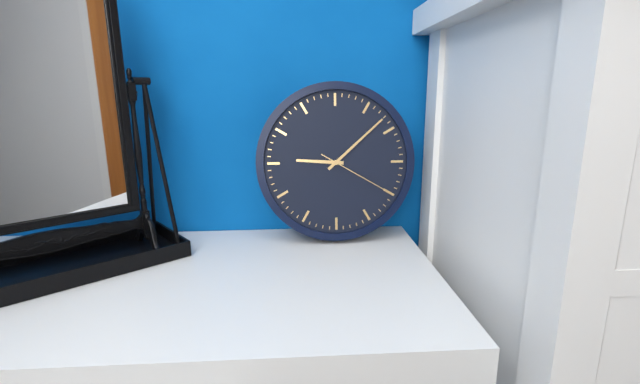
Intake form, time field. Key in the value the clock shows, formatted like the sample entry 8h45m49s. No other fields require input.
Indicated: 9h08m20s
